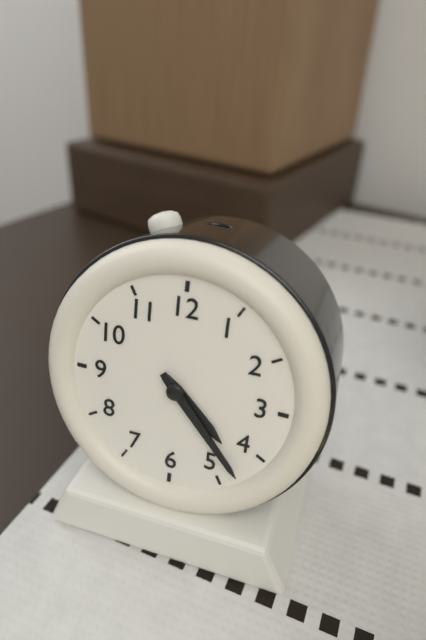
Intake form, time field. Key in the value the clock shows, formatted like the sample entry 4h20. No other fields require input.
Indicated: 4h23
